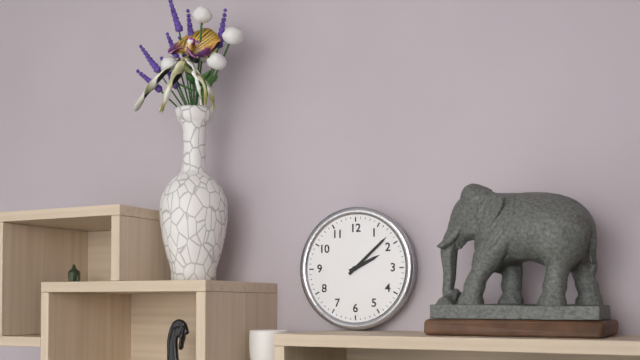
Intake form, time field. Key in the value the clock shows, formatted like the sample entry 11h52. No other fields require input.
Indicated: 2h08
